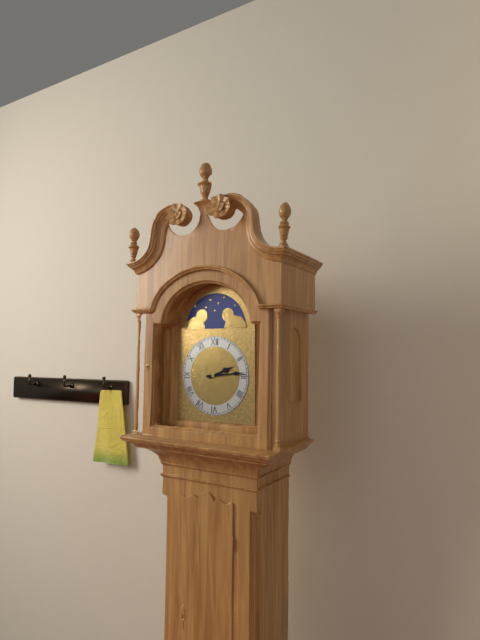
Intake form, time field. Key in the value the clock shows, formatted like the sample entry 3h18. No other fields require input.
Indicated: 2h14
